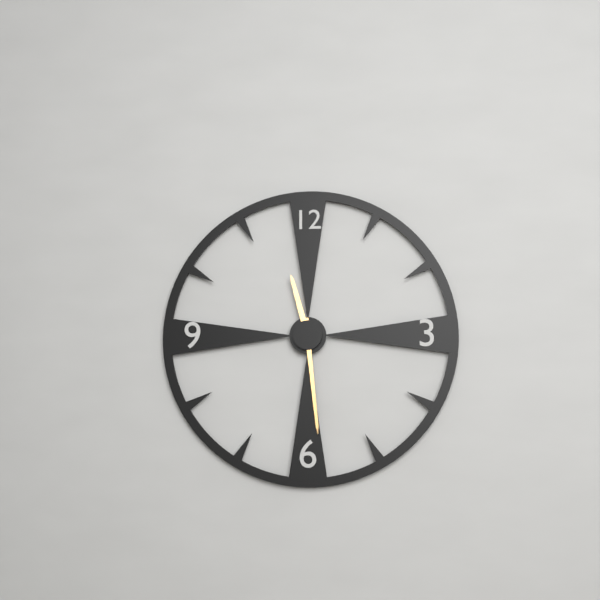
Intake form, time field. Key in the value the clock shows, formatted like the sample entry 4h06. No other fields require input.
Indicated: 11h29
